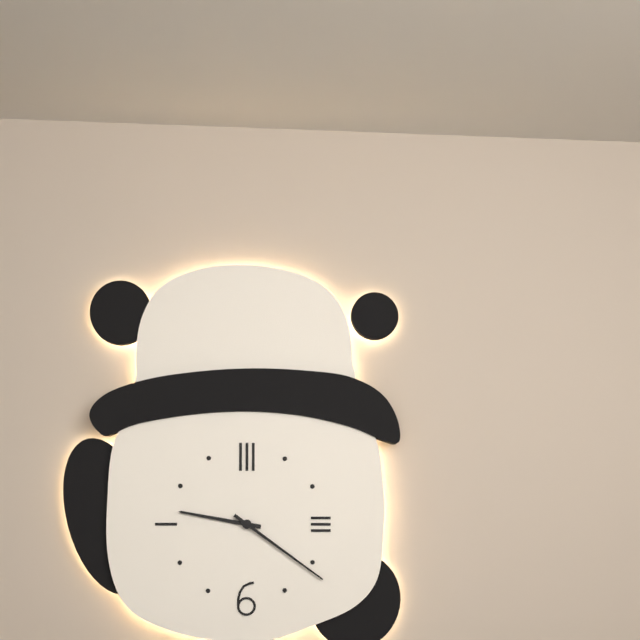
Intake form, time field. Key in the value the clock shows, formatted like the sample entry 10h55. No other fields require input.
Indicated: 9h21
